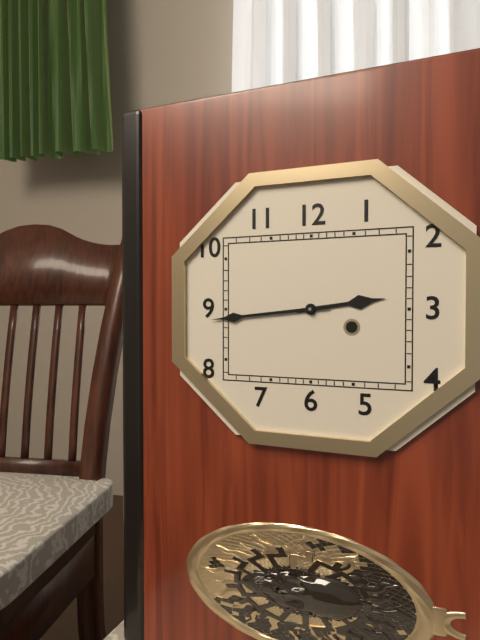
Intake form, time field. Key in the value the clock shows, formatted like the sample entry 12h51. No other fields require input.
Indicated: 2h44
